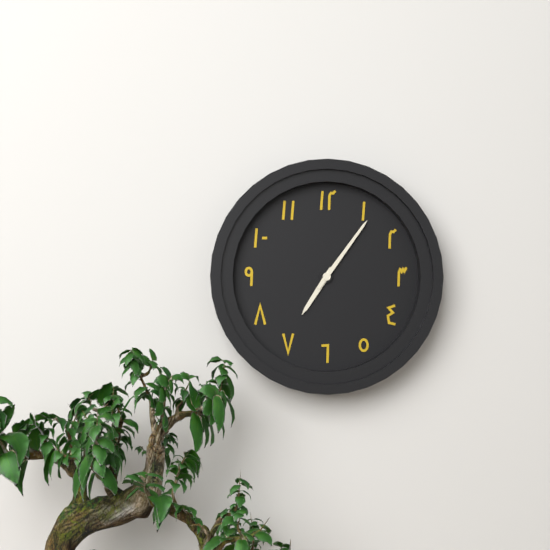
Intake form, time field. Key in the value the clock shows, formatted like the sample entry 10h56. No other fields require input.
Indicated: 7h06
